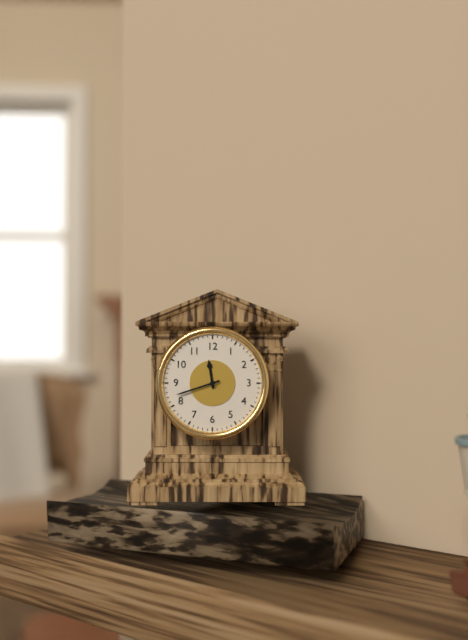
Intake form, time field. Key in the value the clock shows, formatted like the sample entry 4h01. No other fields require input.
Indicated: 11h42
